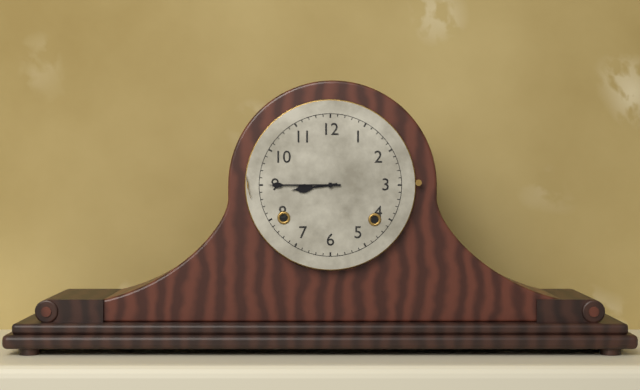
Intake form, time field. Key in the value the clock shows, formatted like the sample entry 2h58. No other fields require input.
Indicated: 8h45
